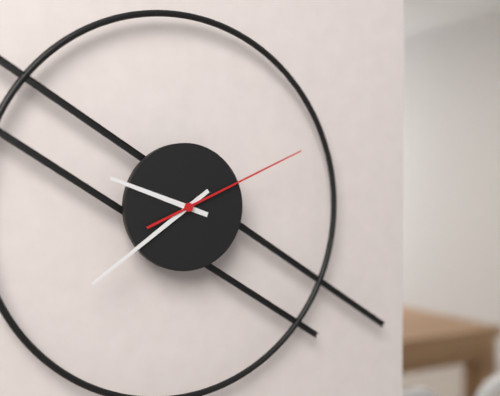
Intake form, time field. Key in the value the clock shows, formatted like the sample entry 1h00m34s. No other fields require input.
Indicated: 9h39m11s
